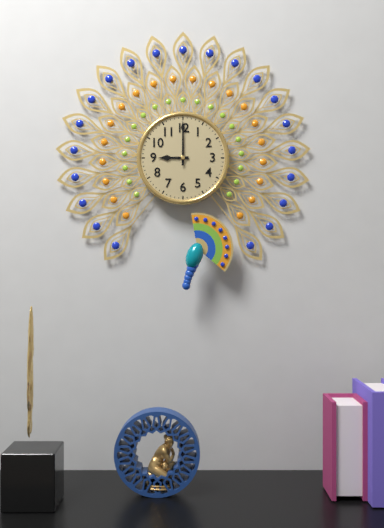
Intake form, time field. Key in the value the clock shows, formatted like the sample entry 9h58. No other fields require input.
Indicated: 9h00
